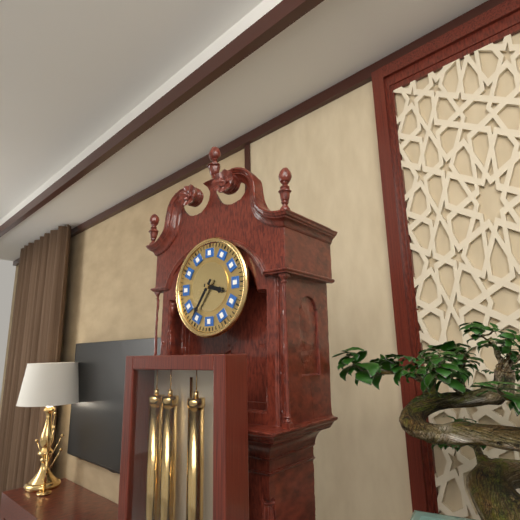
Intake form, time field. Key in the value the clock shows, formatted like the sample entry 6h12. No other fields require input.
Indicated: 3h36
